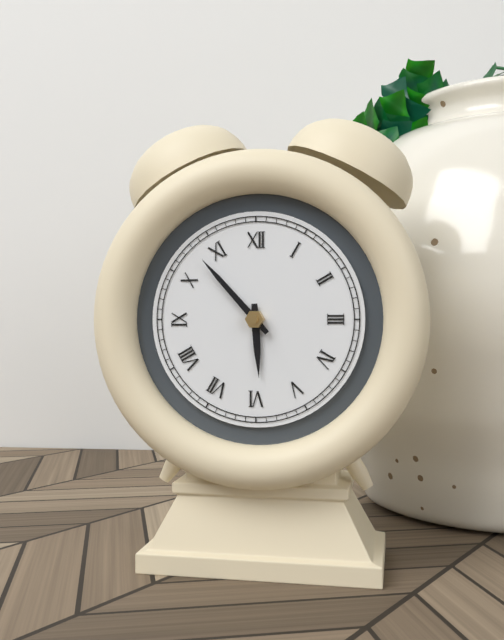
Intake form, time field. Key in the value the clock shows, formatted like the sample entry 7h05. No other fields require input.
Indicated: 5h53
